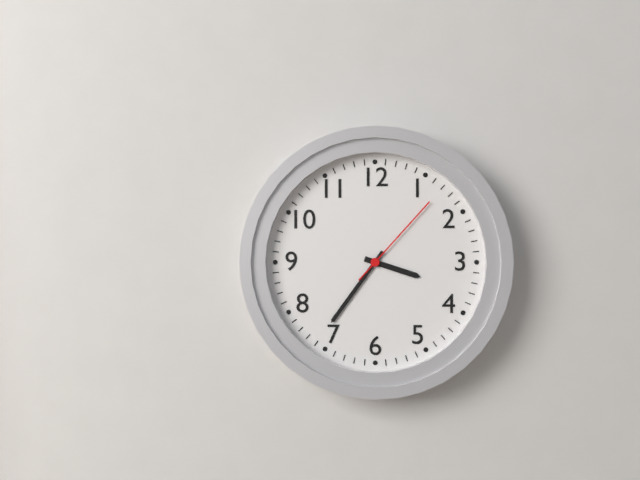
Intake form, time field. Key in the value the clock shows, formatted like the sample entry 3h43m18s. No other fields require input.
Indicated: 3h36m07s
